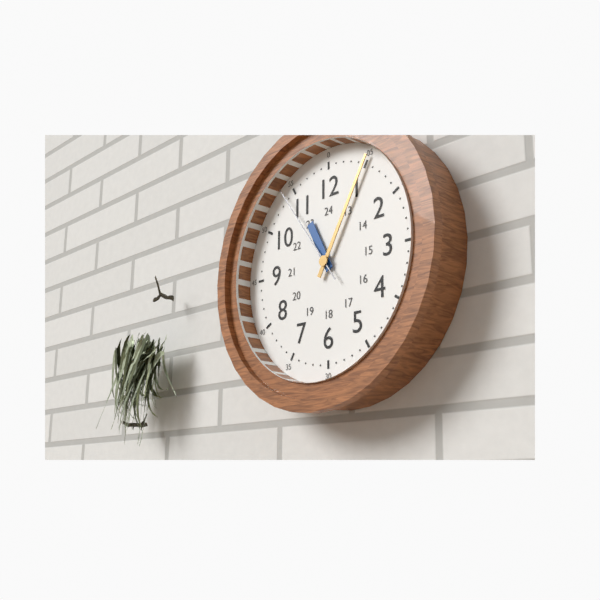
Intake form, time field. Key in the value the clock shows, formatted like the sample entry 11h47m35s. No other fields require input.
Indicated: 11h05m54s
